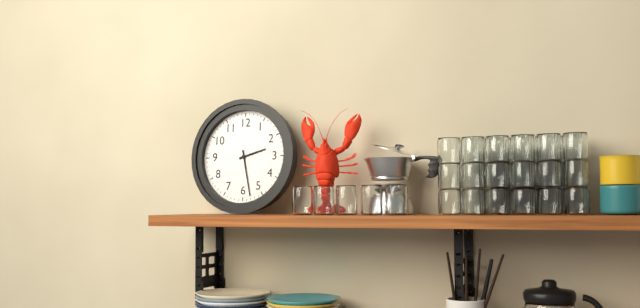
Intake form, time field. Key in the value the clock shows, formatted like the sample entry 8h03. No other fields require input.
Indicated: 2h28
